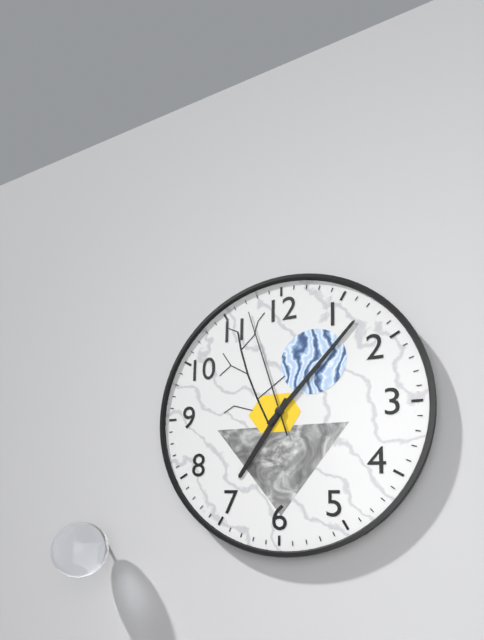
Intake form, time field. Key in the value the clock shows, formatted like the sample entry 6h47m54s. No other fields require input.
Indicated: 7h07m57s
